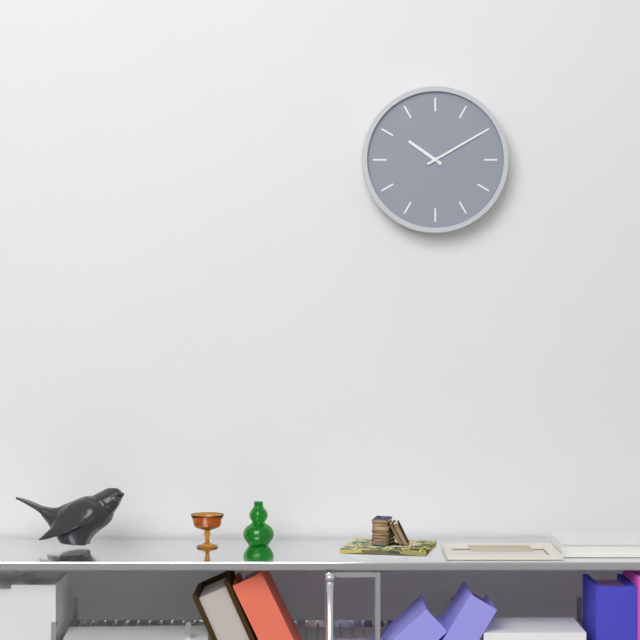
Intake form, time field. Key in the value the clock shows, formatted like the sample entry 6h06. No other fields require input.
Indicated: 10h10
